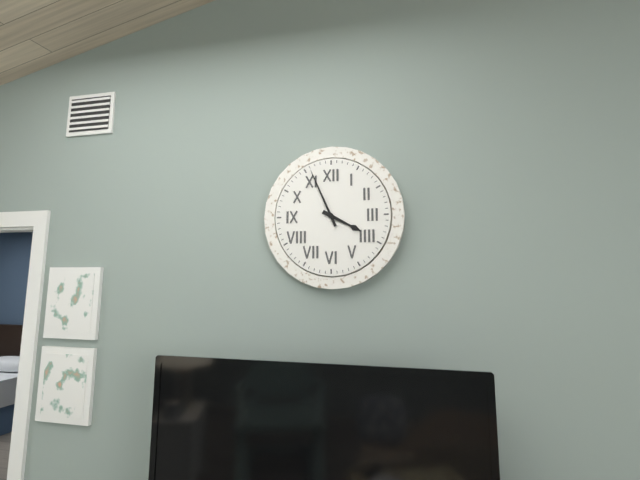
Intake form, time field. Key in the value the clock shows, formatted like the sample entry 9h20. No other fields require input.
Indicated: 3h56
